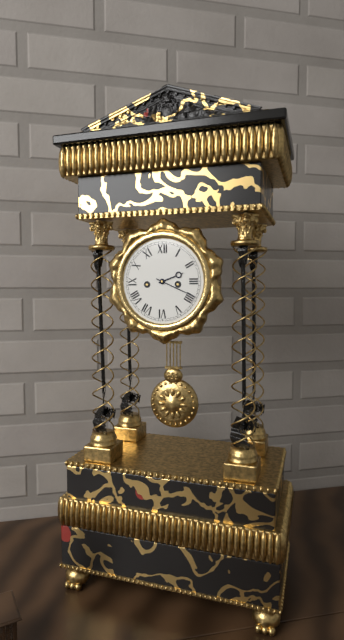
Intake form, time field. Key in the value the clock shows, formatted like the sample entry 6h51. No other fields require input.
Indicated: 2h19
